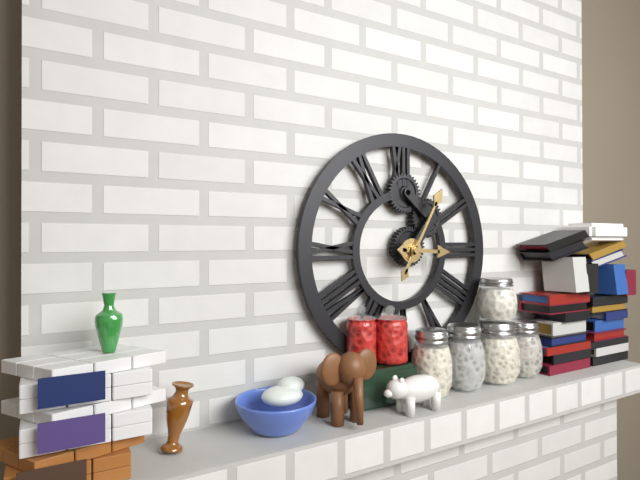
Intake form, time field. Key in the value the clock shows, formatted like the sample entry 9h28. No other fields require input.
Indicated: 3h05
